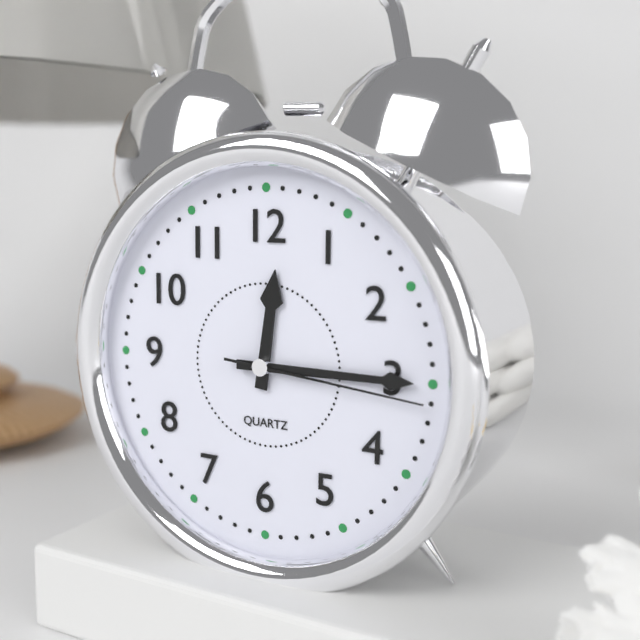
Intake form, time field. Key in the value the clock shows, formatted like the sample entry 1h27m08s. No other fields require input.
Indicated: 12h15m16s
